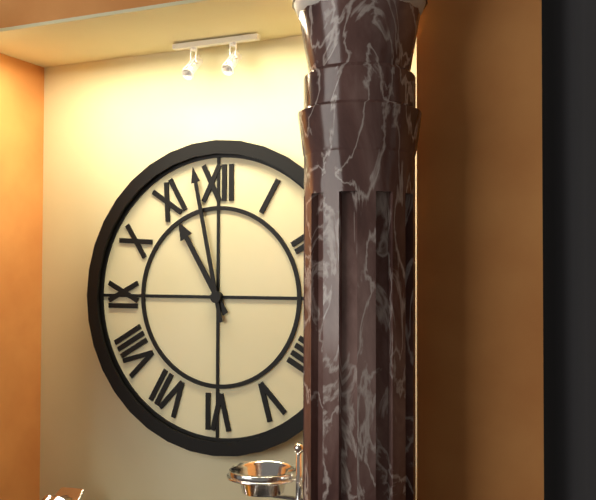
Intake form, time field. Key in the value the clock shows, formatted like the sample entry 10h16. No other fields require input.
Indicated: 10h58
